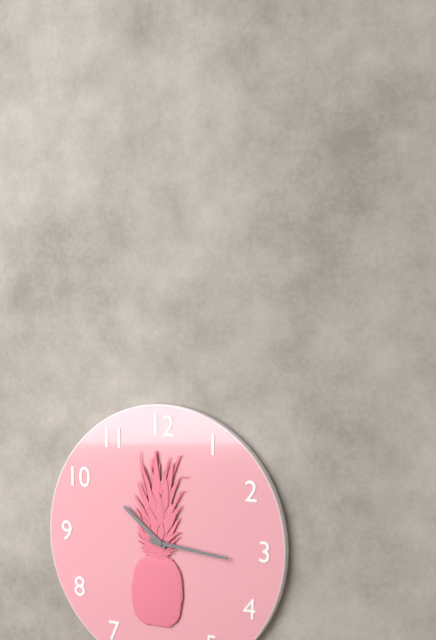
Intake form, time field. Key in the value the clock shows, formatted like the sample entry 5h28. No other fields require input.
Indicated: 10h16
